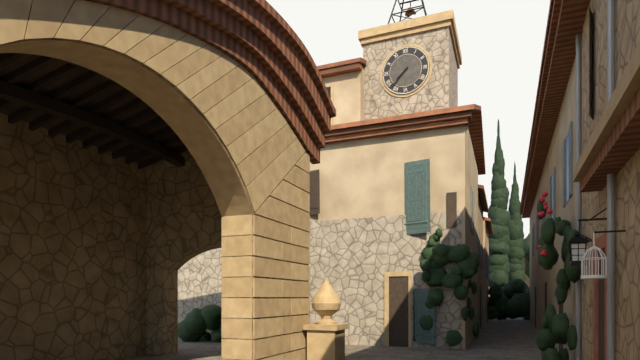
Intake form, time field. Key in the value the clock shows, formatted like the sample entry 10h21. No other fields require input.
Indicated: 7h37
